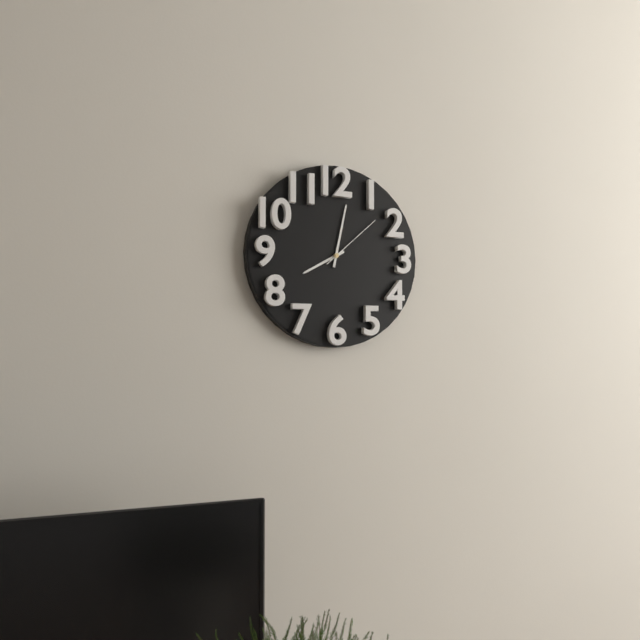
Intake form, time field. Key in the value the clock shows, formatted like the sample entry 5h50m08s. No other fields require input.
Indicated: 8h02m08s
